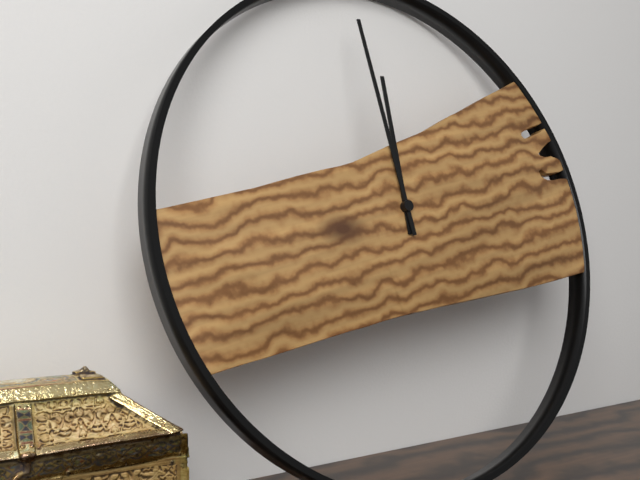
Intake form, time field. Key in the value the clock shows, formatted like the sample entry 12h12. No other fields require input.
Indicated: 11h59
